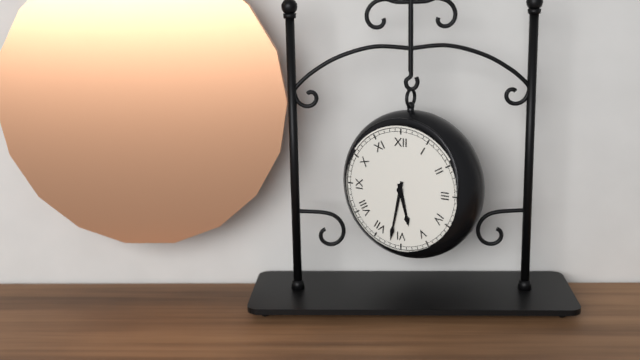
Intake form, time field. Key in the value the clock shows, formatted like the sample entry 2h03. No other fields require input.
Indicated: 5h32
